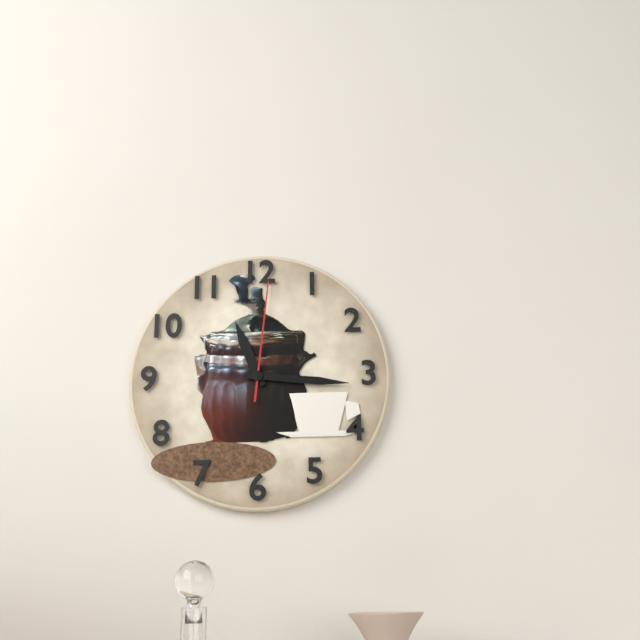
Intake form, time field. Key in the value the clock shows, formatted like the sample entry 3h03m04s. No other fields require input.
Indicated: 11h16m01s
